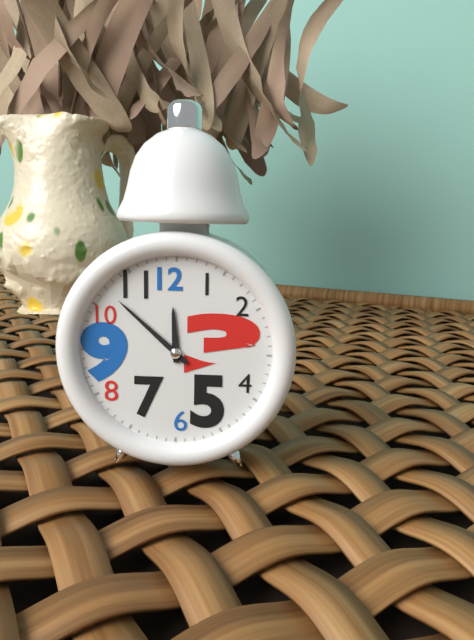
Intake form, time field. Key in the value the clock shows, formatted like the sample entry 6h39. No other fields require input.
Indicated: 11h52
